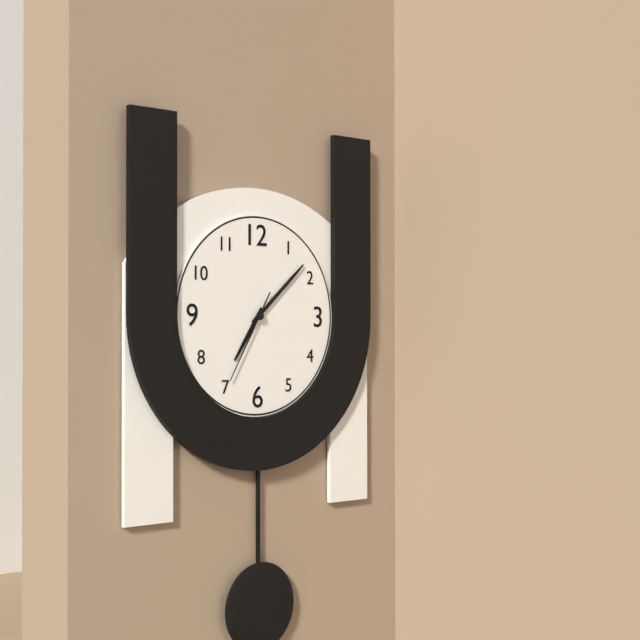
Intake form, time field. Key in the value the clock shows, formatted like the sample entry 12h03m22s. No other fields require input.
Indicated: 7h08m35s
